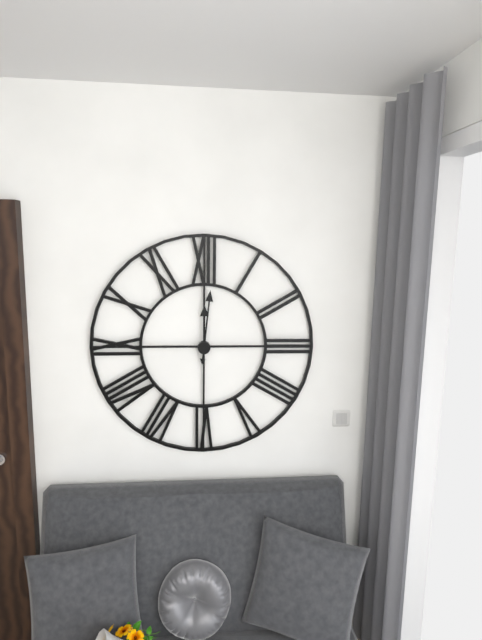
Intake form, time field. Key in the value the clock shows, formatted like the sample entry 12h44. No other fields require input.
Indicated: 12h01
